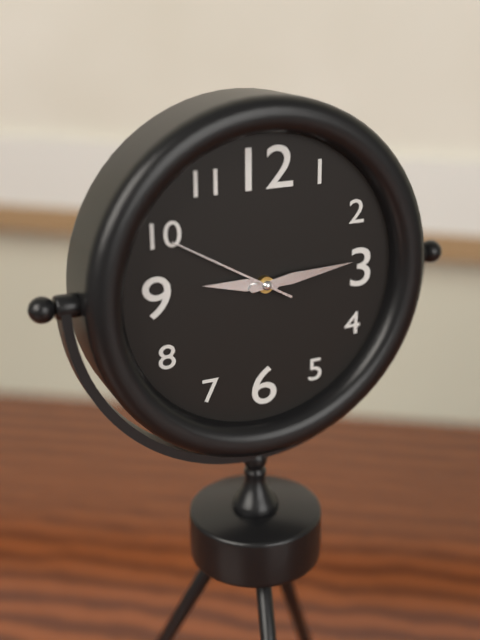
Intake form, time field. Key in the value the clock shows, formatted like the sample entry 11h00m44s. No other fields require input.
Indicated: 9h14m50s
